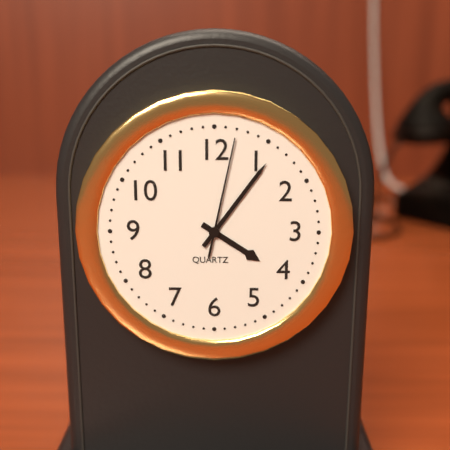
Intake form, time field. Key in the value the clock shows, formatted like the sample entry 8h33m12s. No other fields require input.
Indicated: 4h06m02s
